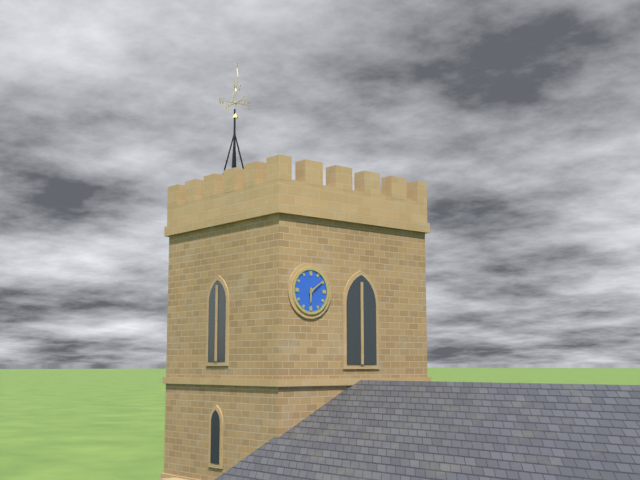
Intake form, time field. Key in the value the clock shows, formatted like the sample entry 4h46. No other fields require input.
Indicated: 6h09
